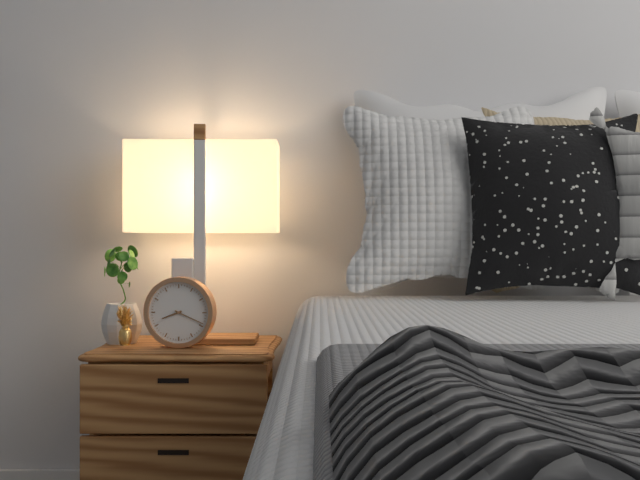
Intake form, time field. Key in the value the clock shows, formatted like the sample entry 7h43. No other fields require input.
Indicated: 8h19
